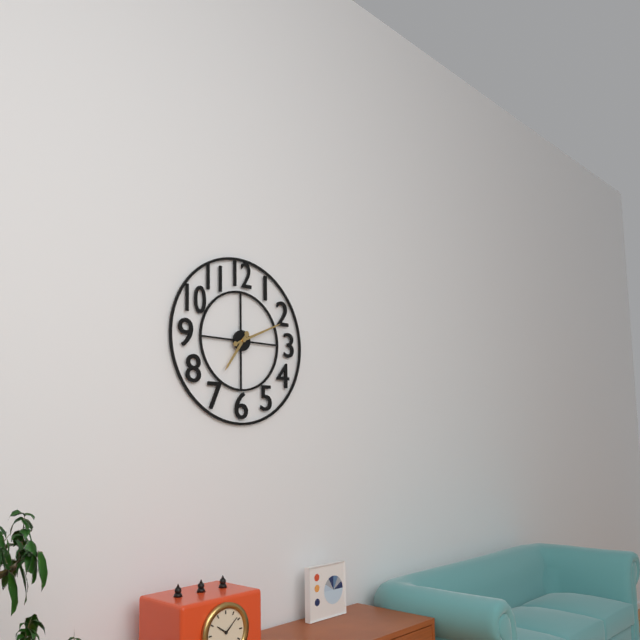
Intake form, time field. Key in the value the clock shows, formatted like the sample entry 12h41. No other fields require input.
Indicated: 7h11
